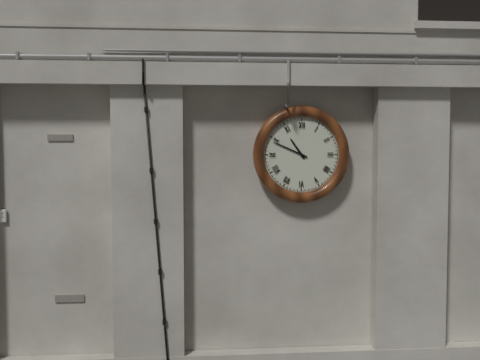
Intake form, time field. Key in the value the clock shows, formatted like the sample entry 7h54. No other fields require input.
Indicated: 10h49
